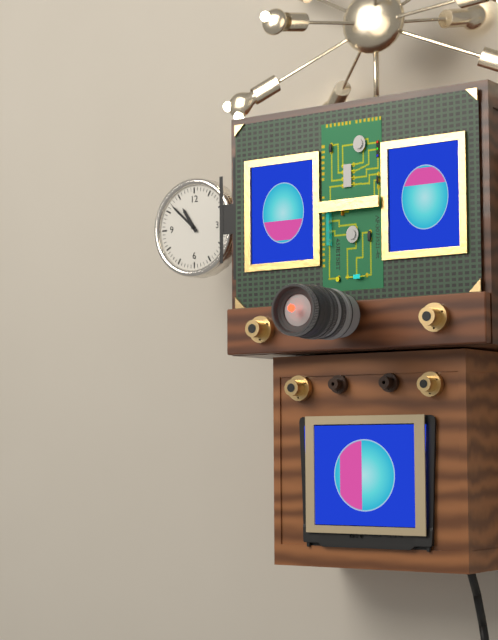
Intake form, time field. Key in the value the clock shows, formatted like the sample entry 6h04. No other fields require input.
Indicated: 10h52
